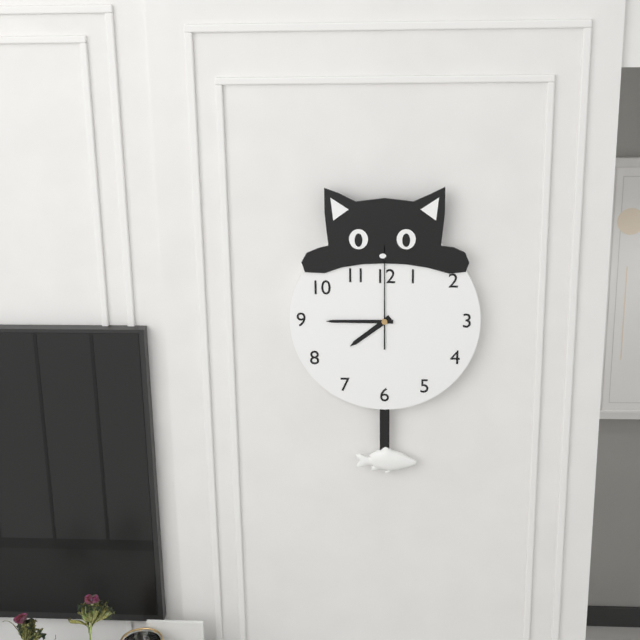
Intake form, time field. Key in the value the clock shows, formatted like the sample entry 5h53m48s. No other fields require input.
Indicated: 7h45m00s
